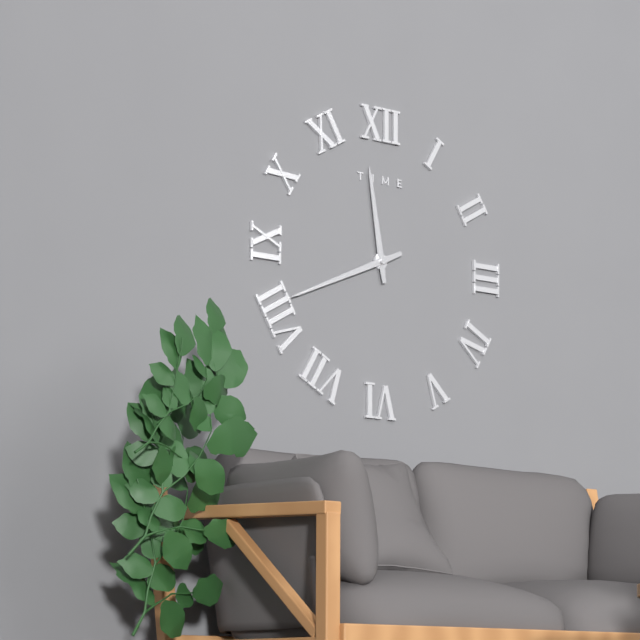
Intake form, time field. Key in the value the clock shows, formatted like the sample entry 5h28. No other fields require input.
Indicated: 11h41
